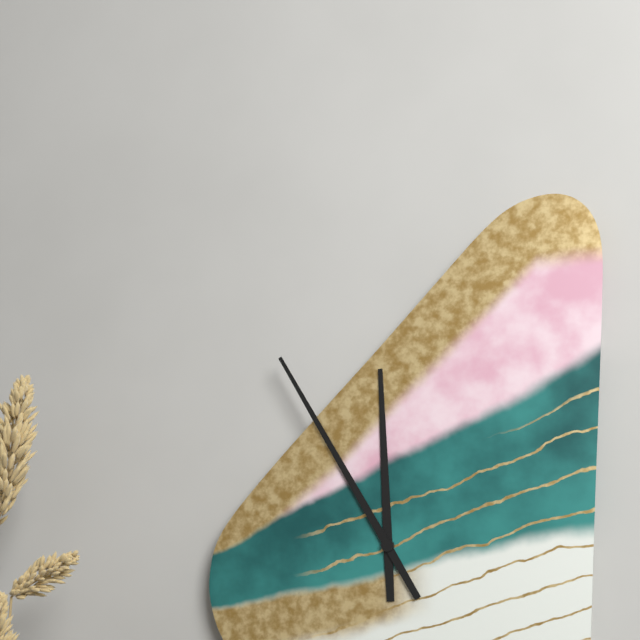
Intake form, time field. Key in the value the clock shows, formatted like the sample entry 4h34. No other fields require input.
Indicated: 11h55
